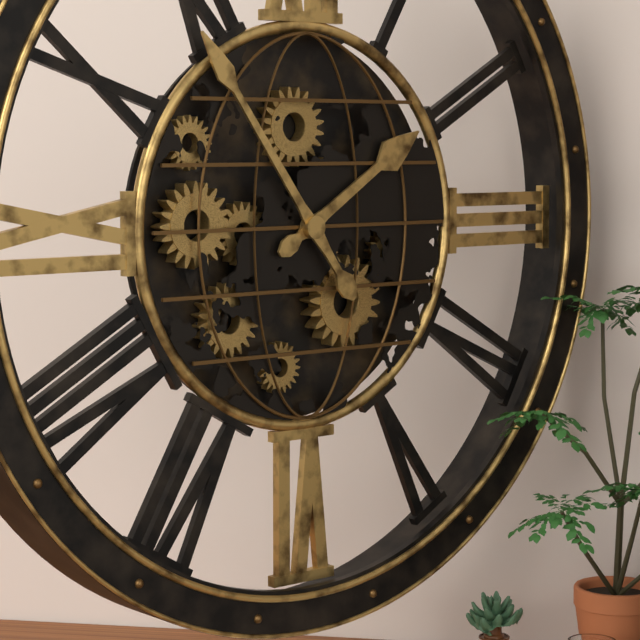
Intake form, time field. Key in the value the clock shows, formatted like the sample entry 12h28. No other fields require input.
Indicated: 1h54
